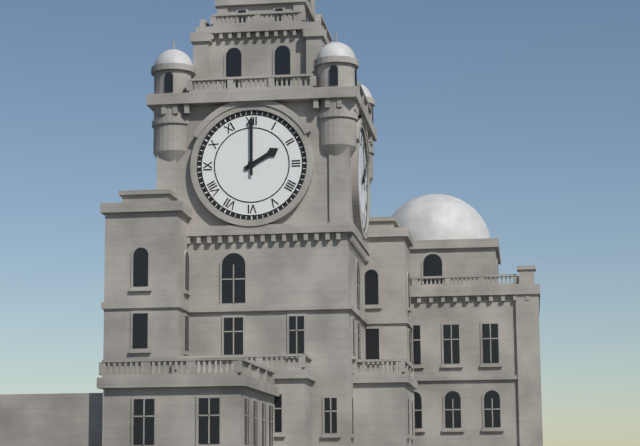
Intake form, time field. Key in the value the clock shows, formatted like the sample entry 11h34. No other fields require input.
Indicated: 2h00
